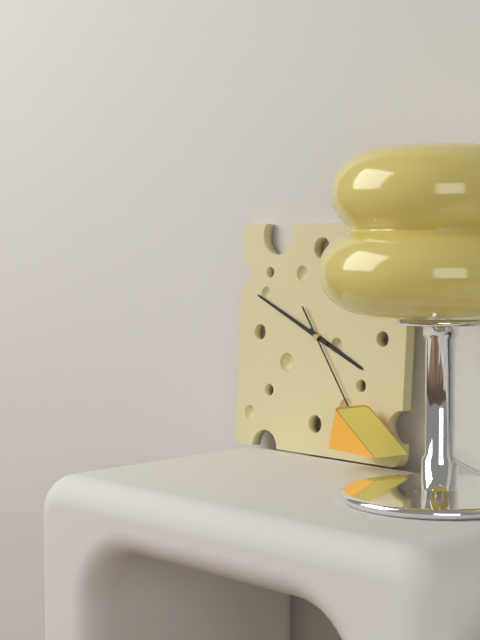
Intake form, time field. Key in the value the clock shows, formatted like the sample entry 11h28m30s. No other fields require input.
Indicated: 3h49m24s
